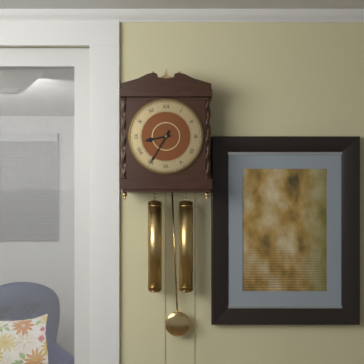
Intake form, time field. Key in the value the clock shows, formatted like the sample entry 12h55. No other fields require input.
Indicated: 8h35
